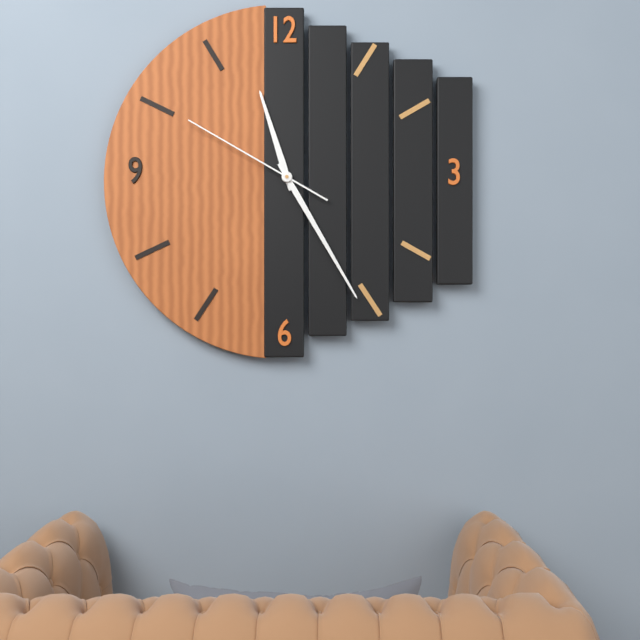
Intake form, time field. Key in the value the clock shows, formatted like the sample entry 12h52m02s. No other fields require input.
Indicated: 11h25m50s
